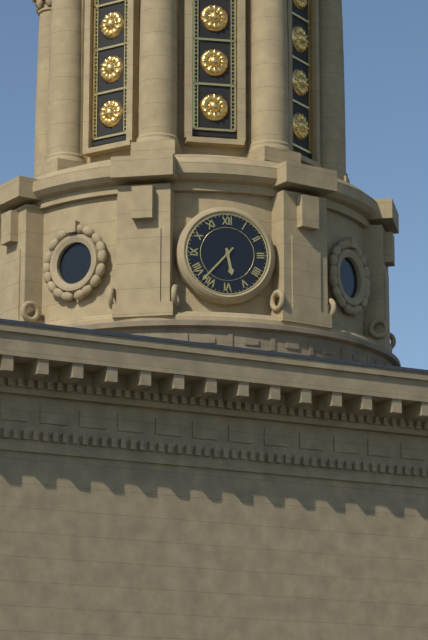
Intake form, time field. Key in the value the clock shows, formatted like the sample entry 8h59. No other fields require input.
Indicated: 5h37
